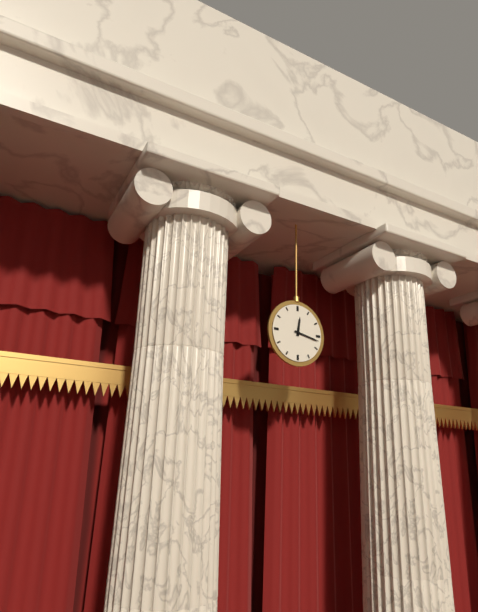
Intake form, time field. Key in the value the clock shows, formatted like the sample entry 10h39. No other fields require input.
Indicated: 12h17
